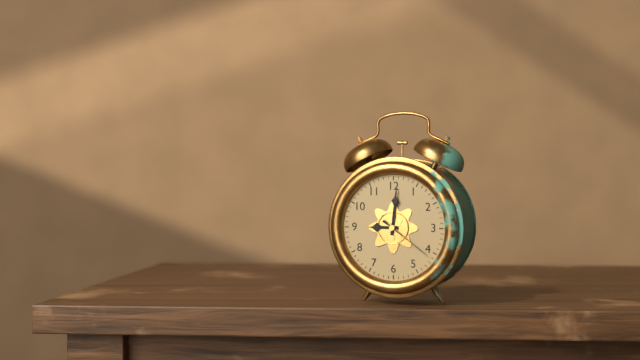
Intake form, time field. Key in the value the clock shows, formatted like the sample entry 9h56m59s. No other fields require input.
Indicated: 9h01m21s
